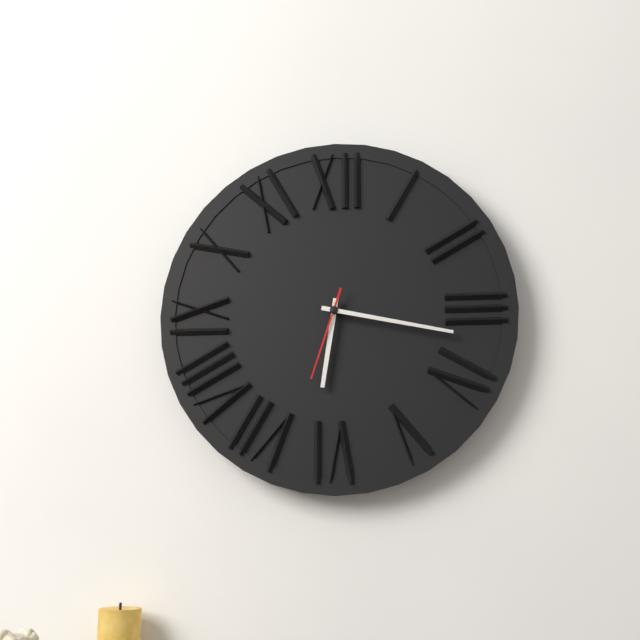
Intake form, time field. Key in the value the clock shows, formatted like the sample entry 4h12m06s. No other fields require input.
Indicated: 6h17m33s
